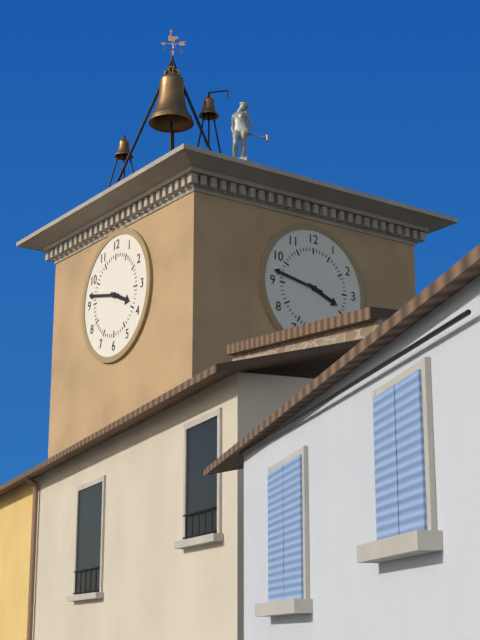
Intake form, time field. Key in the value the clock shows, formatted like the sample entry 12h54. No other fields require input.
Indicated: 3h47
